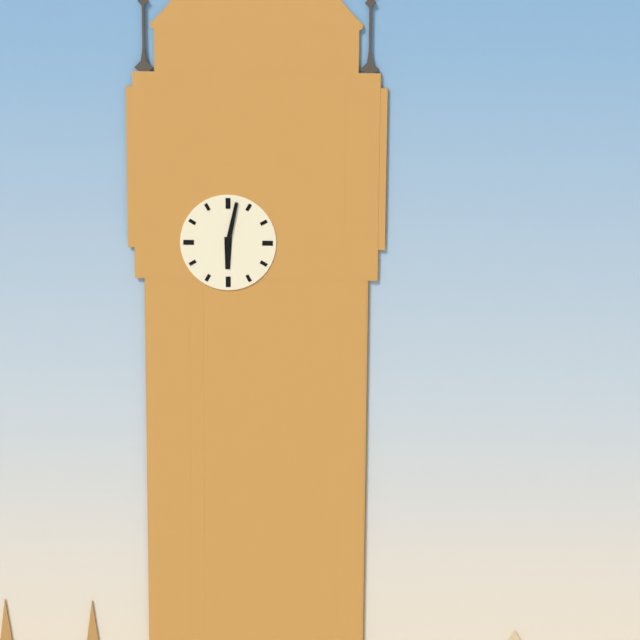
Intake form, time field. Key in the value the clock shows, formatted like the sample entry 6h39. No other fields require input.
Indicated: 6h02
